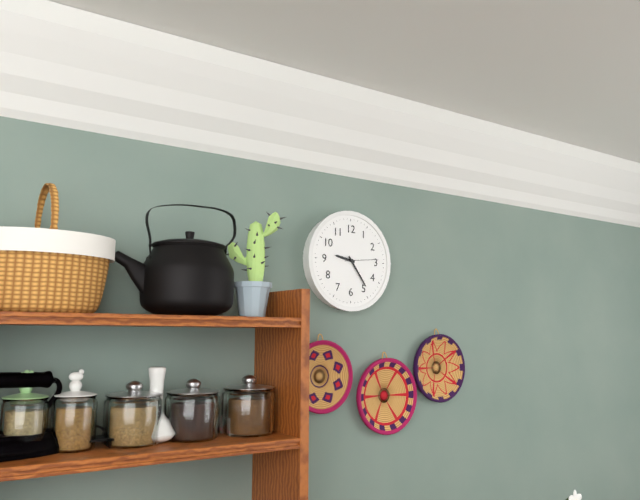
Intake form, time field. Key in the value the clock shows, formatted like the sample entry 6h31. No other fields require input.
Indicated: 9h24
